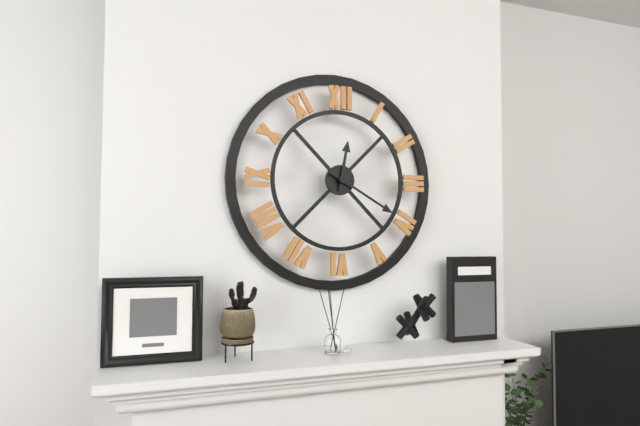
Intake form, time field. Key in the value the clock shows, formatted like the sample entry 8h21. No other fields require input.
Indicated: 12h20
